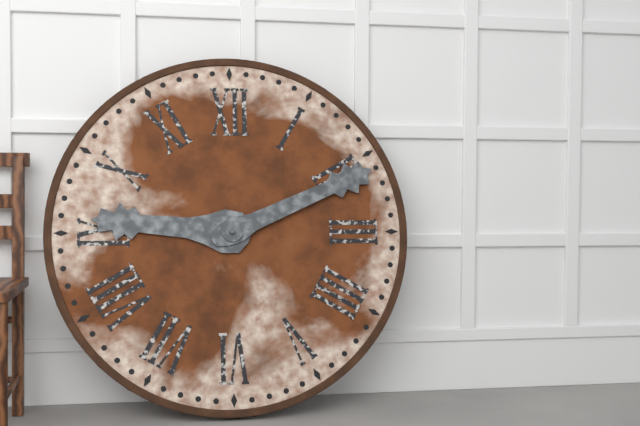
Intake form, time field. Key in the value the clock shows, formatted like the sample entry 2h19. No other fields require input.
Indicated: 9h11
